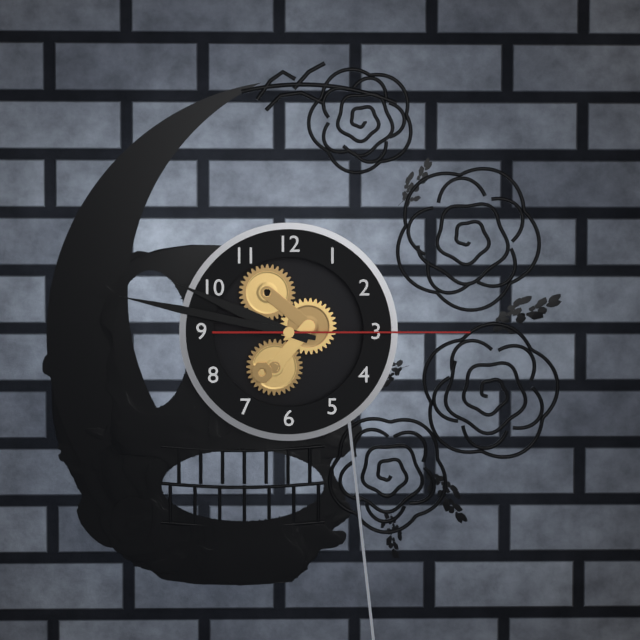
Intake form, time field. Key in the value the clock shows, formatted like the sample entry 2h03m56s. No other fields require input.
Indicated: 9h47m15s
